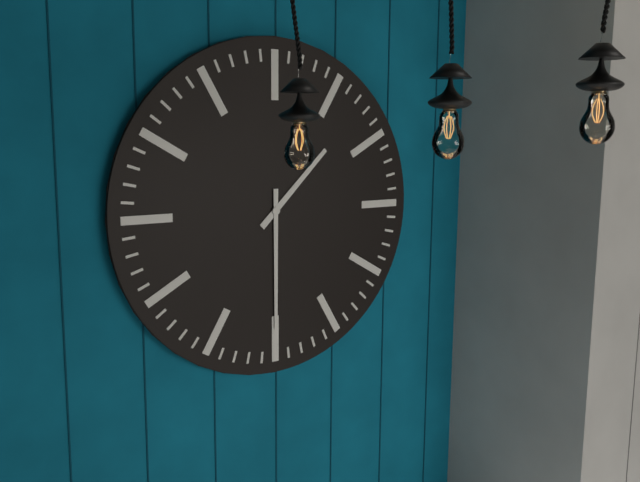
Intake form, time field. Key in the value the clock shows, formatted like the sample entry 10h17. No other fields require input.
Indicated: 1h30
